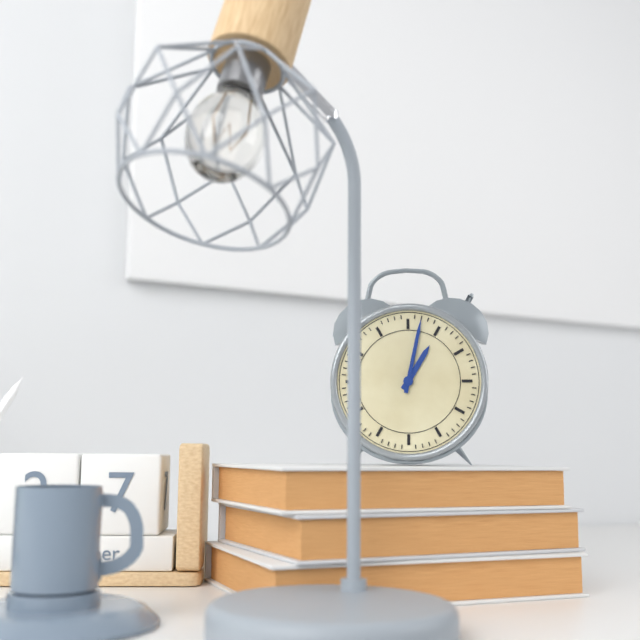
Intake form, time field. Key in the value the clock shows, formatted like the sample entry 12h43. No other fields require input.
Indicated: 1h02
